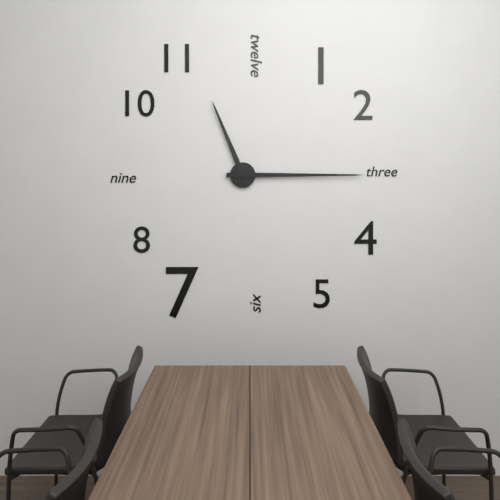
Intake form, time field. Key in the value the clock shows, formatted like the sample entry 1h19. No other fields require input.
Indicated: 11h15
